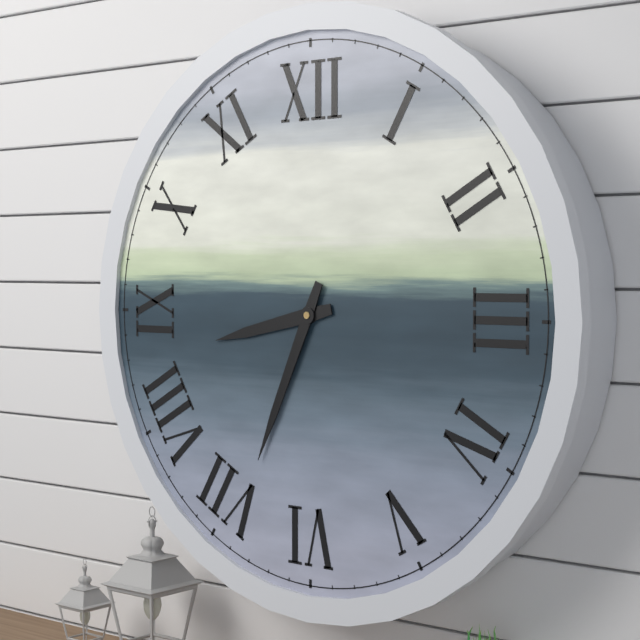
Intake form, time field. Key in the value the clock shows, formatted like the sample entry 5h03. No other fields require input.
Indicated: 8h34
